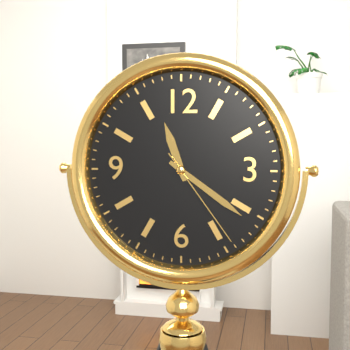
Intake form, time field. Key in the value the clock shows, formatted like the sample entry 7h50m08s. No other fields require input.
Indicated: 11h21m24s
